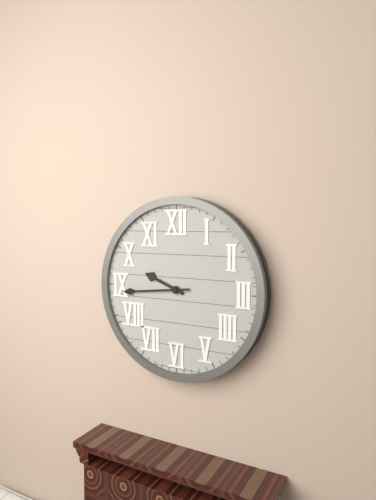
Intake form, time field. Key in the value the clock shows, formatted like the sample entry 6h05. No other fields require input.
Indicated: 9h44
